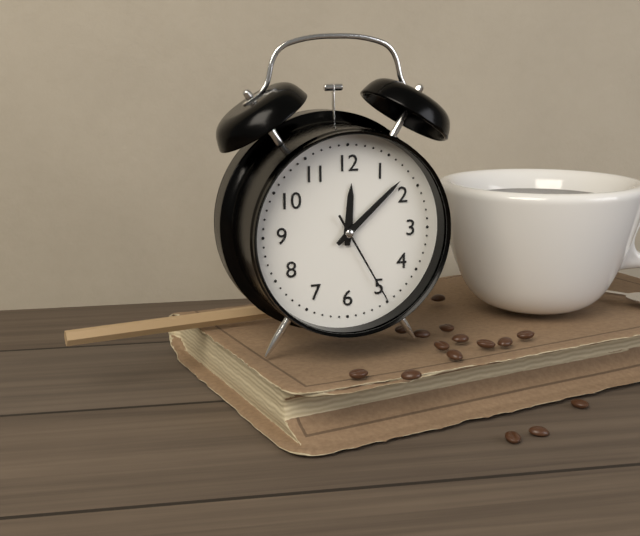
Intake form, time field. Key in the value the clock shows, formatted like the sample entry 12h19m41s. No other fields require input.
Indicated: 12h08m25s
